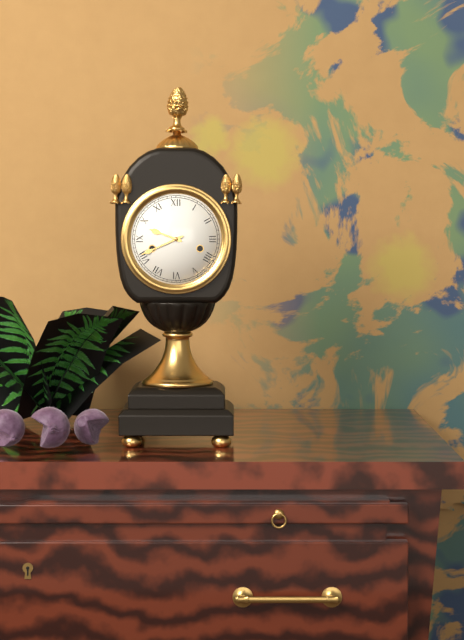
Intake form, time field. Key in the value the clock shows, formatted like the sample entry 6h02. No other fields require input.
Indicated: 9h41
